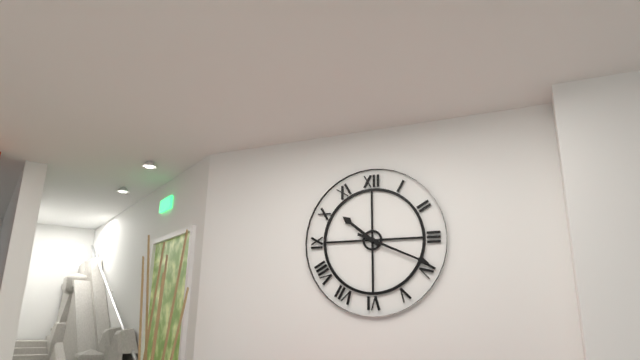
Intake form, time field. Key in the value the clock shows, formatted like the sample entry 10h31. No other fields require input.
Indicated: 10h19
